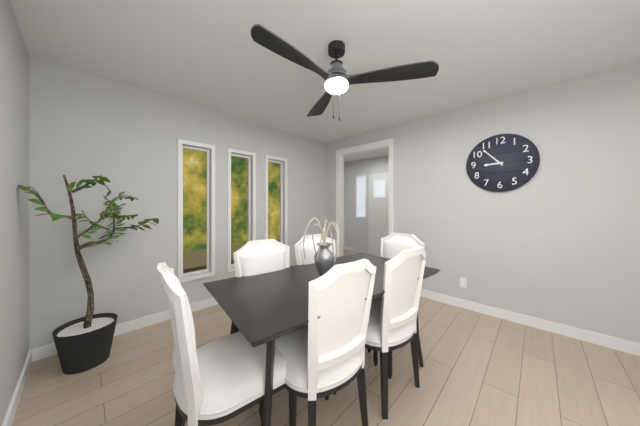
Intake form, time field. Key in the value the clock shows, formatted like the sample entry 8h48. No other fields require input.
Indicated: 8h53
